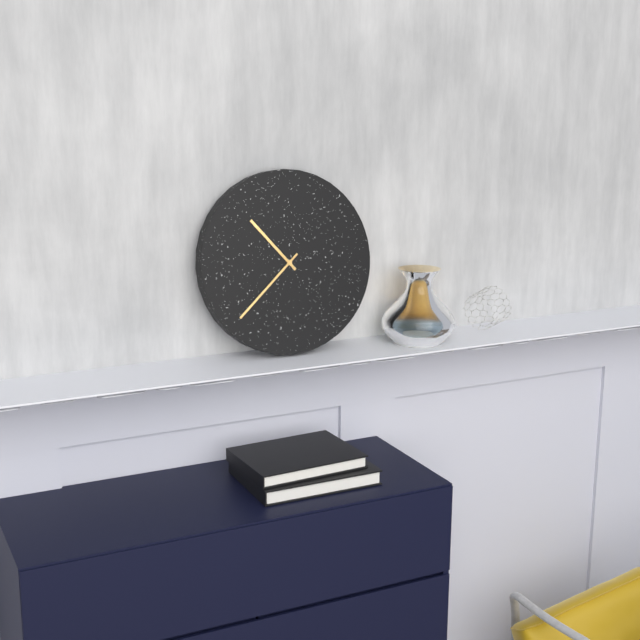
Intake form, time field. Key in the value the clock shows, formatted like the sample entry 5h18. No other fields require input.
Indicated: 10h38
